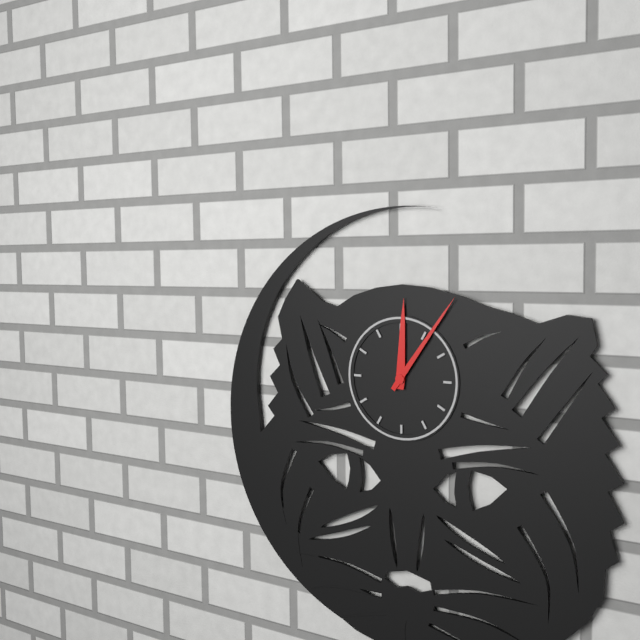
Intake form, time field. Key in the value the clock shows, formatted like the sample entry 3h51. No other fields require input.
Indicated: 12h06
